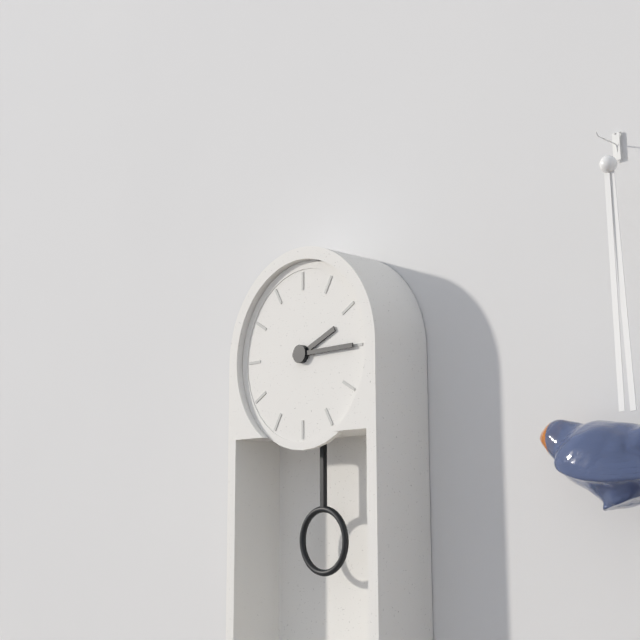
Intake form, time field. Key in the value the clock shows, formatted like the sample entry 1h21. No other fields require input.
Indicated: 2h15
